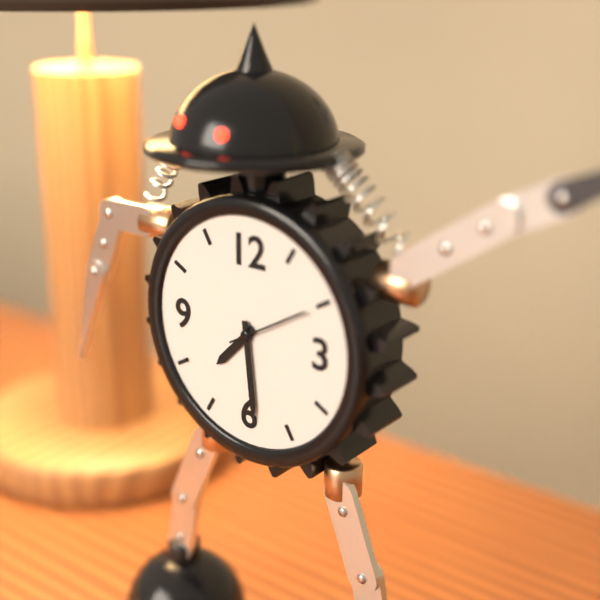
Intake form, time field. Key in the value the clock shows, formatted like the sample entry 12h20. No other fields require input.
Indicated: 7h29
